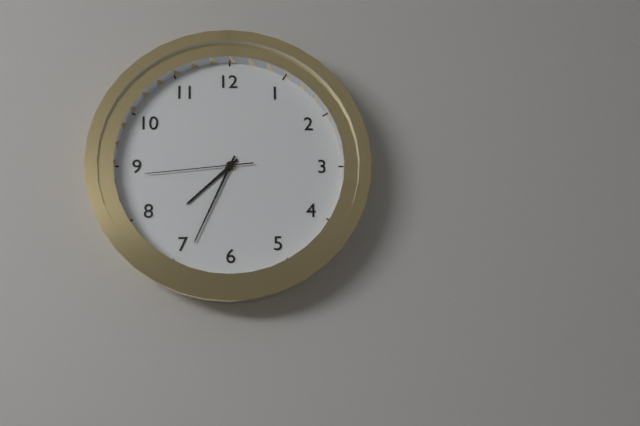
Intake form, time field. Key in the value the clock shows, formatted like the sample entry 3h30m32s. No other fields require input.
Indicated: 7h34m44s
